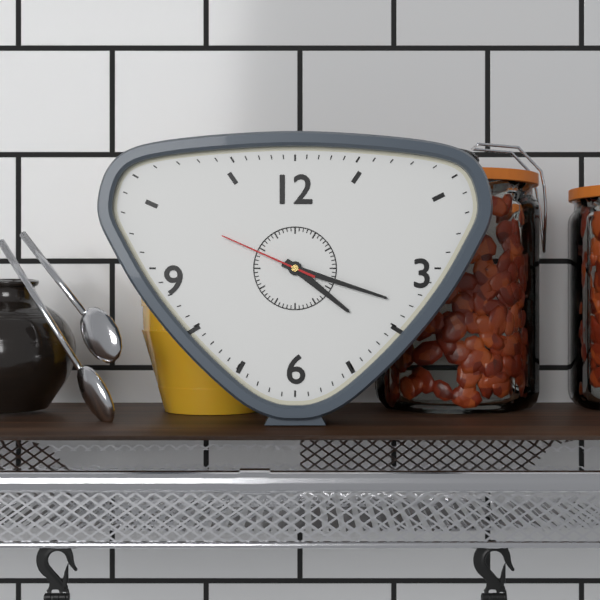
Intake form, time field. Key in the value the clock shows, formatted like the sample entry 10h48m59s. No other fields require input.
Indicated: 4h18m49s
